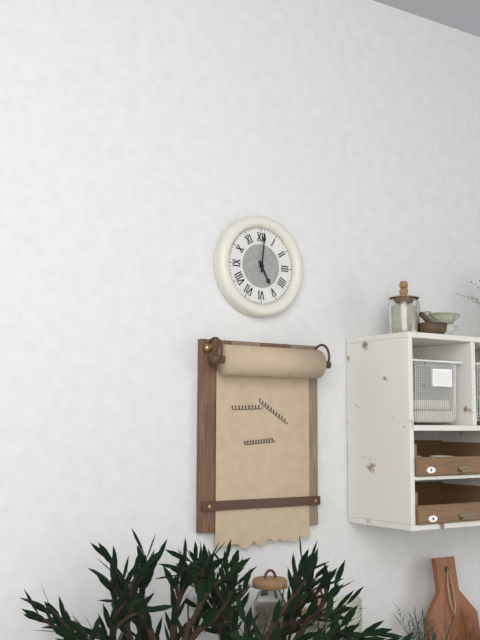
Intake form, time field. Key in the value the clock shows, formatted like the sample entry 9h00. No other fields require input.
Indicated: 5h01
